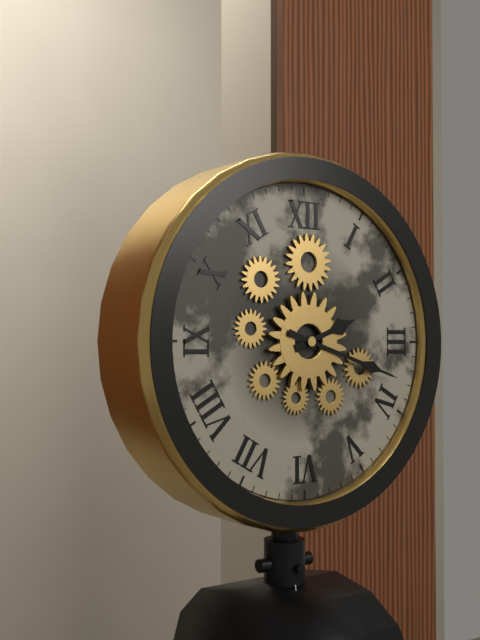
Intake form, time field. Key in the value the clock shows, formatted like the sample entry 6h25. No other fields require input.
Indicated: 2h18
